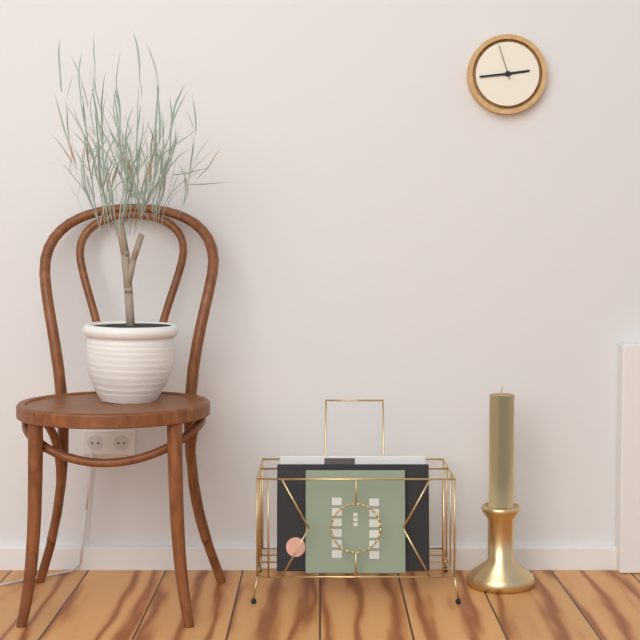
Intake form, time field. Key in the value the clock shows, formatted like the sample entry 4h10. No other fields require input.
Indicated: 2h44
